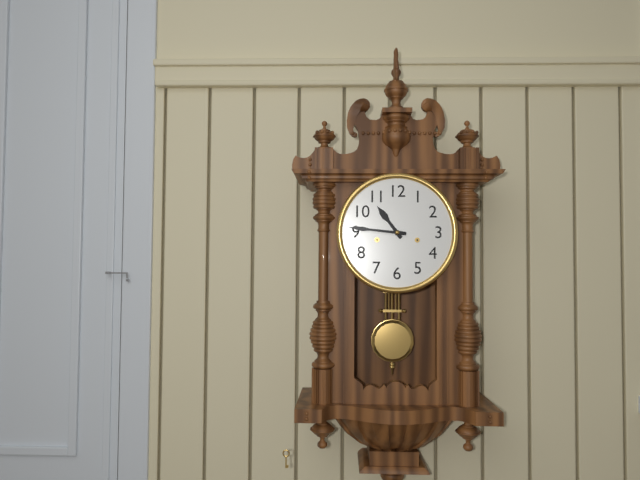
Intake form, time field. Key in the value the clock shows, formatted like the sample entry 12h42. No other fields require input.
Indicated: 10h46
